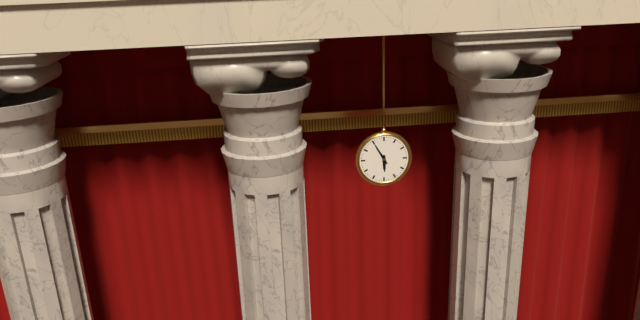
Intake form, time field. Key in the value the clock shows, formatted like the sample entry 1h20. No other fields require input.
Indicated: 5h55
